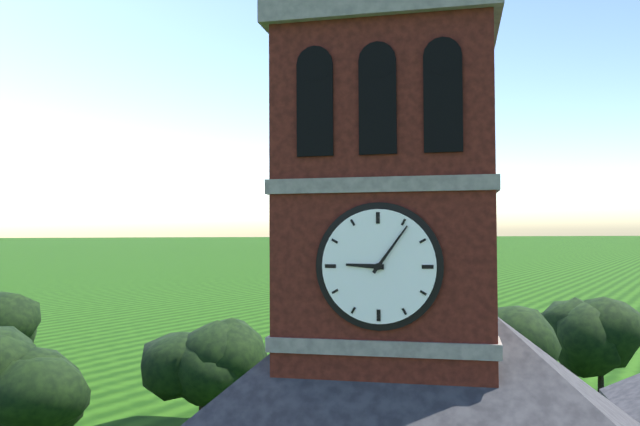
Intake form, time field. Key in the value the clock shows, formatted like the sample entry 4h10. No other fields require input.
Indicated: 9h06
